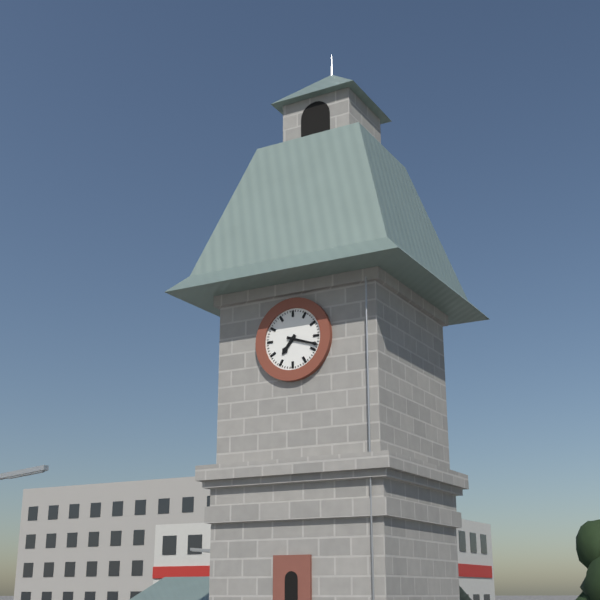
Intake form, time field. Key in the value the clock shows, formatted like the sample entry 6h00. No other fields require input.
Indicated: 7h18
